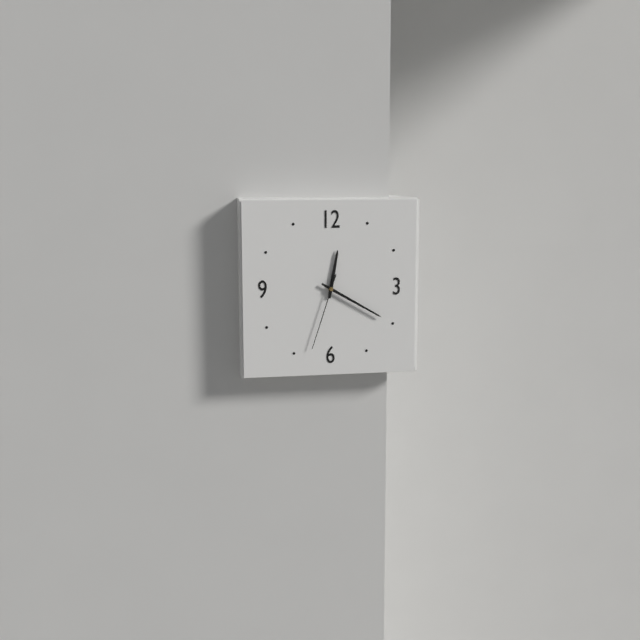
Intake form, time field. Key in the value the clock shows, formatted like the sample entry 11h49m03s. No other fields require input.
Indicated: 12h20m33s
